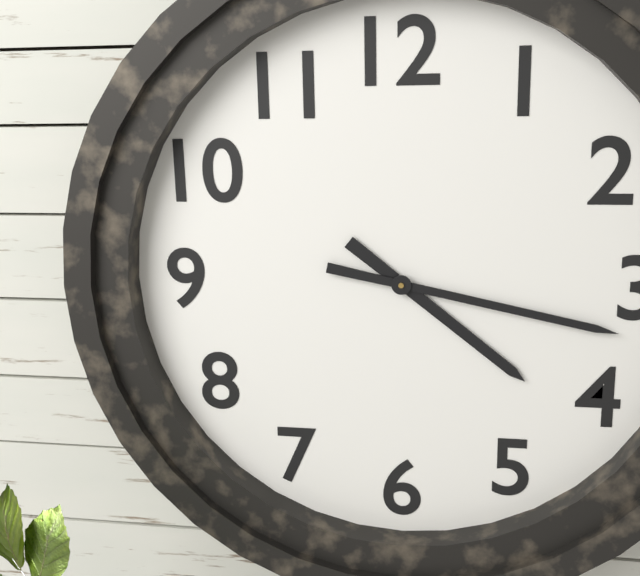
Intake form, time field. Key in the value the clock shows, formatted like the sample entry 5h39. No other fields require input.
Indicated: 4h17
